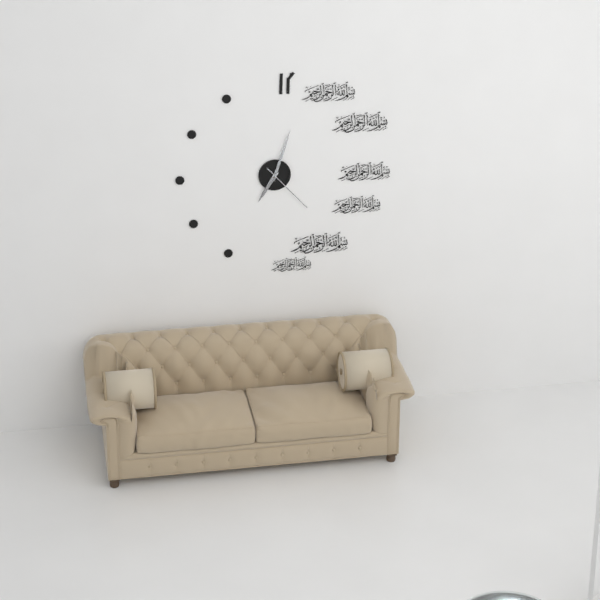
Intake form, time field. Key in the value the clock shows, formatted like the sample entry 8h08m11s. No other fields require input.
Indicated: 7h03m23s
